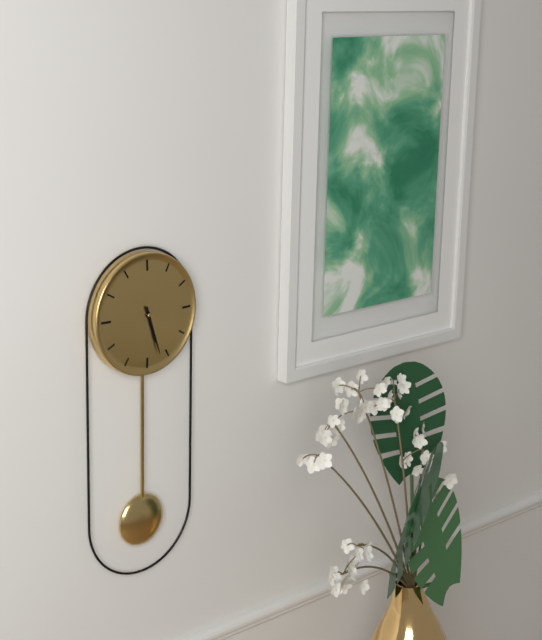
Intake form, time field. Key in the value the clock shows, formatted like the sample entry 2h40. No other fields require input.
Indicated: 5h27
